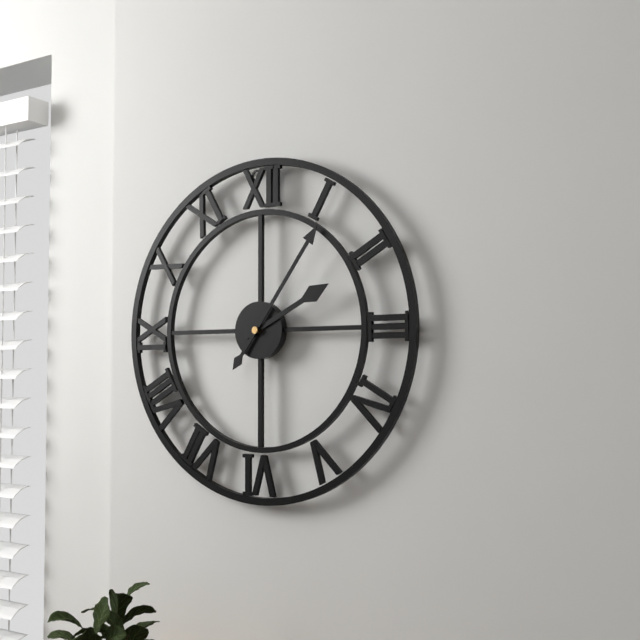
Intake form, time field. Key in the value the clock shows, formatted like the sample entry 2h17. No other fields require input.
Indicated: 2h06
